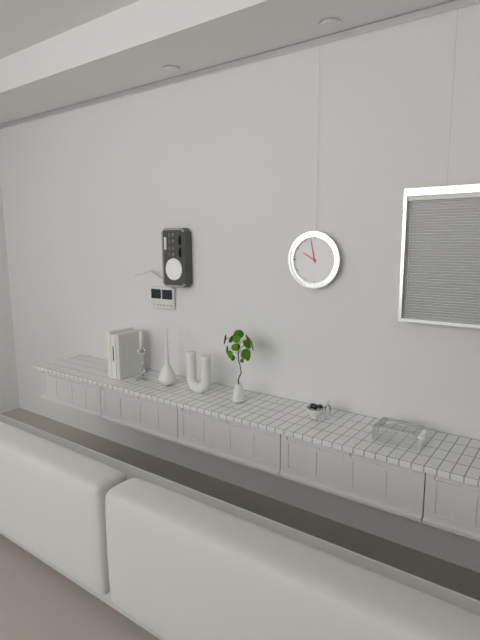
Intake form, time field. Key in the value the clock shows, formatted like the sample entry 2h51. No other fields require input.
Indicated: 9h58
